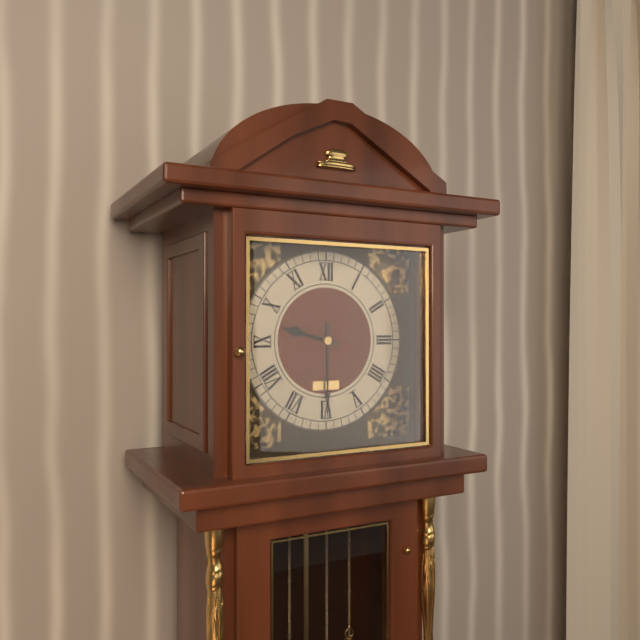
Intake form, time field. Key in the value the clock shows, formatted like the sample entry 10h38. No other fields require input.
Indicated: 9h30
